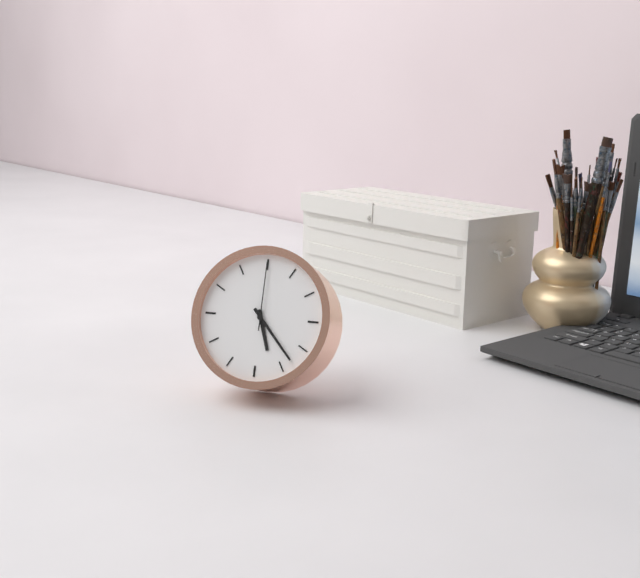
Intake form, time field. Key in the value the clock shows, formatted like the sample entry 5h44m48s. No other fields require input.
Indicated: 5h23m00s
